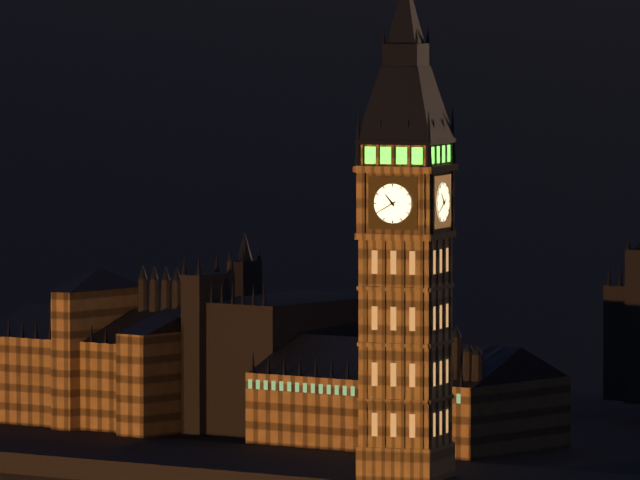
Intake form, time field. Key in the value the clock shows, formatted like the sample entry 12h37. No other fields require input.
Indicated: 10h40
